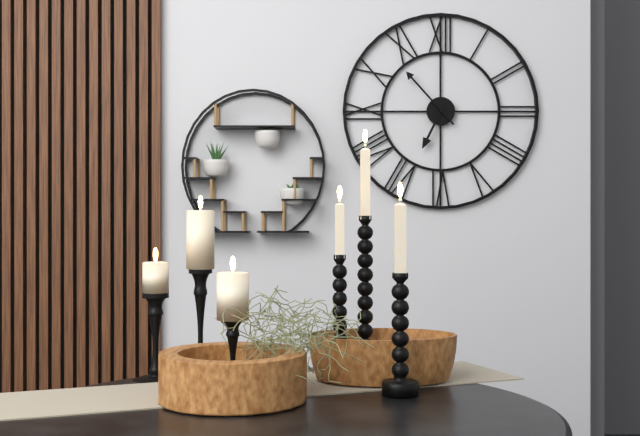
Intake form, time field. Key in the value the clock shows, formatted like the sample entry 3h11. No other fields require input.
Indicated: 6h53
